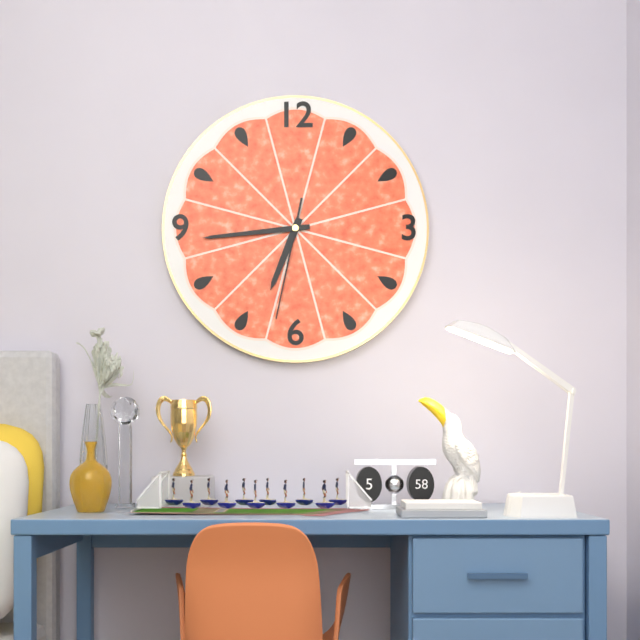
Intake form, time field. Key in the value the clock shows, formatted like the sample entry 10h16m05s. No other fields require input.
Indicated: 6h44m32s
